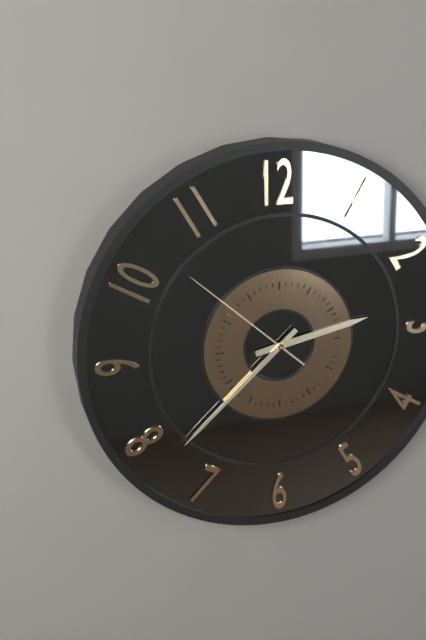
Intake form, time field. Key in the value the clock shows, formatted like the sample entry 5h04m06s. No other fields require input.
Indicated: 2h38m52s
